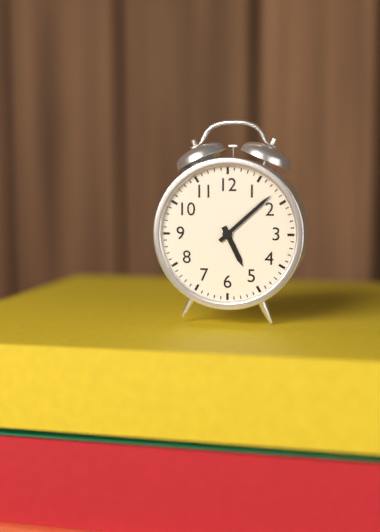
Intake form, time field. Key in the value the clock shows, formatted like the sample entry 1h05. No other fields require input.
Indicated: 5h08
